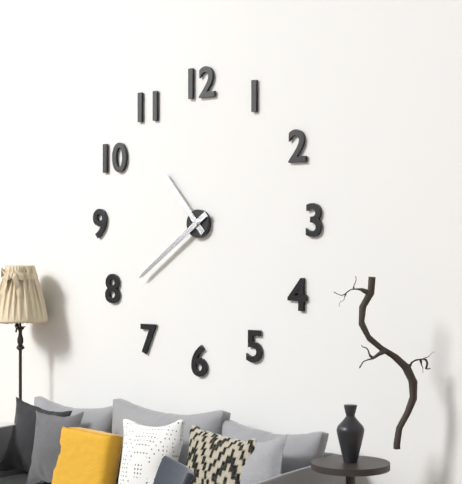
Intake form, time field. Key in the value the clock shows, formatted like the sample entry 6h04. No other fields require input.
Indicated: 10h39
